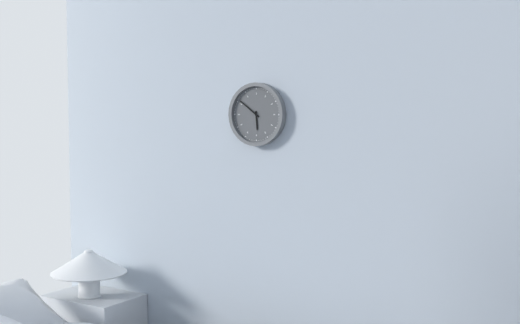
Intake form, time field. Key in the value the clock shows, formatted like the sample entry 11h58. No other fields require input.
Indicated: 5h51
